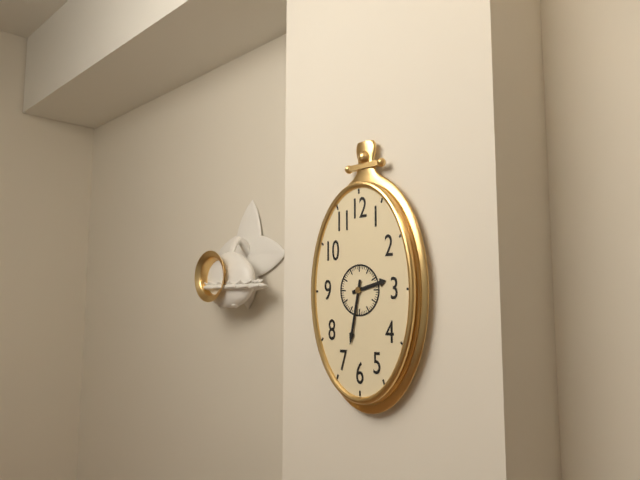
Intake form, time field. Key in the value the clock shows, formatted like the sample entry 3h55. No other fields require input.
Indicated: 2h32
